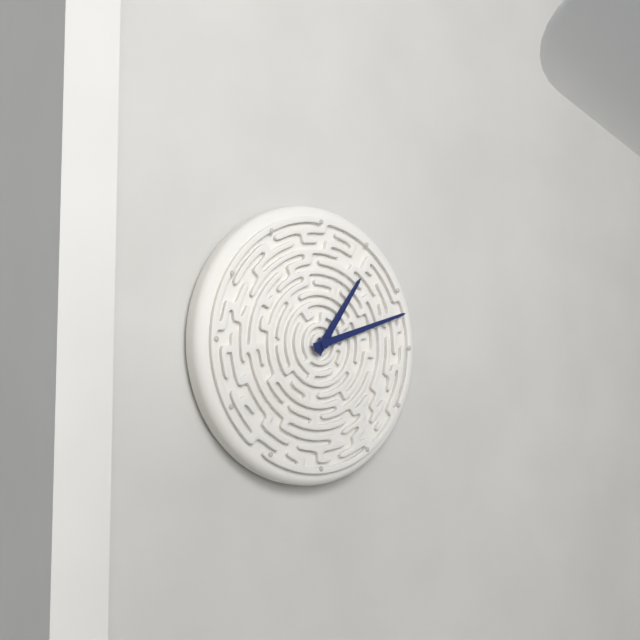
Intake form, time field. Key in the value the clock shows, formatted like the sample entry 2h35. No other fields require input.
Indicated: 1h12
